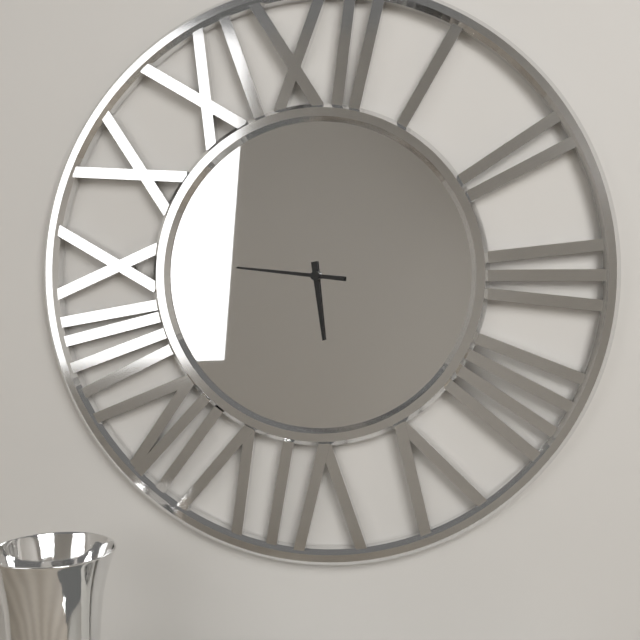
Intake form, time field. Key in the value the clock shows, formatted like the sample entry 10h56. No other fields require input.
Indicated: 5h46
